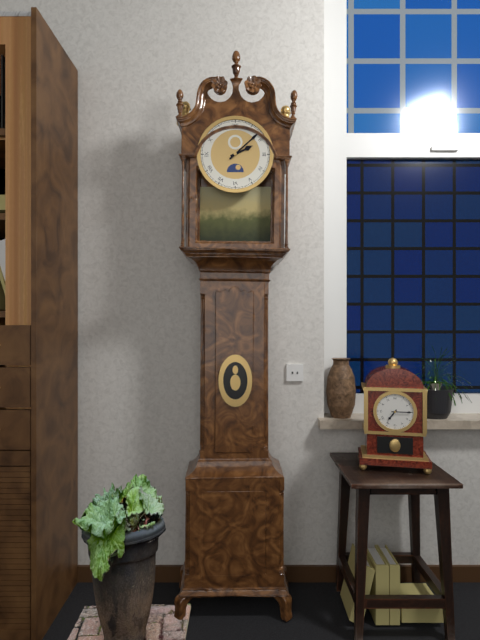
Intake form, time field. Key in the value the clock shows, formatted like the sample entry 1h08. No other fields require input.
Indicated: 2h08
